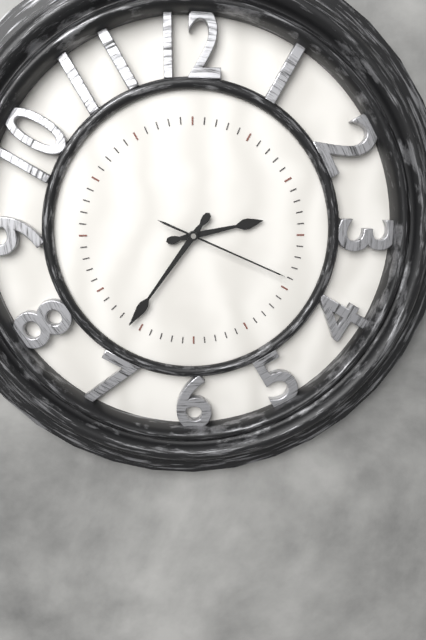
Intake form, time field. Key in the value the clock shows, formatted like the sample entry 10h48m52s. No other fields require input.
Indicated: 2h36m19s
